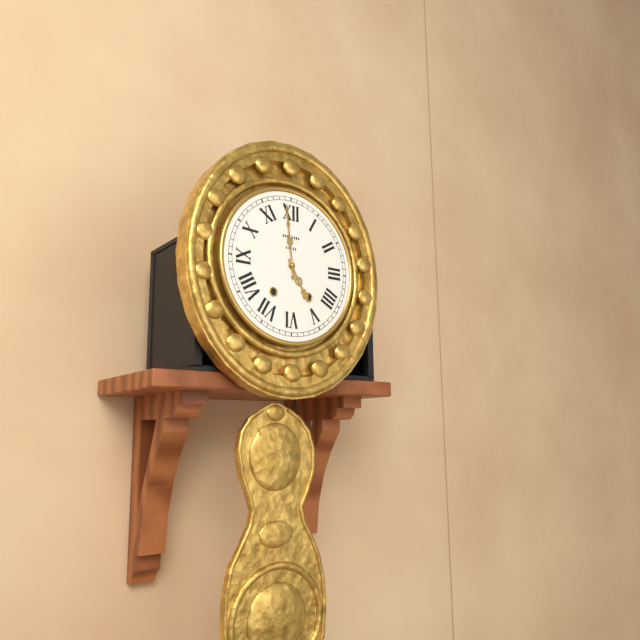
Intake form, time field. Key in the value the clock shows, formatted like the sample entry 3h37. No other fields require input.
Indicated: 4h59
